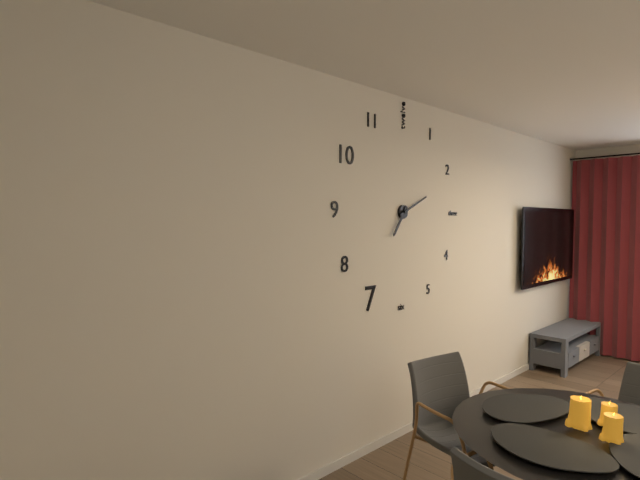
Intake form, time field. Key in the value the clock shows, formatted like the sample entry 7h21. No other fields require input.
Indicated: 7h11
